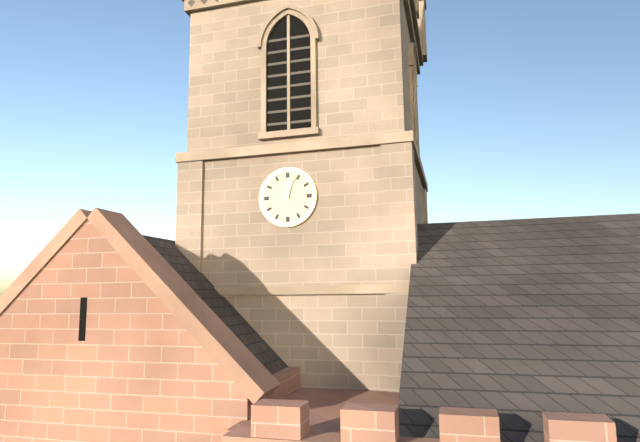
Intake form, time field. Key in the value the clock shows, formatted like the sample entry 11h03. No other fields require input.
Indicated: 12h03
